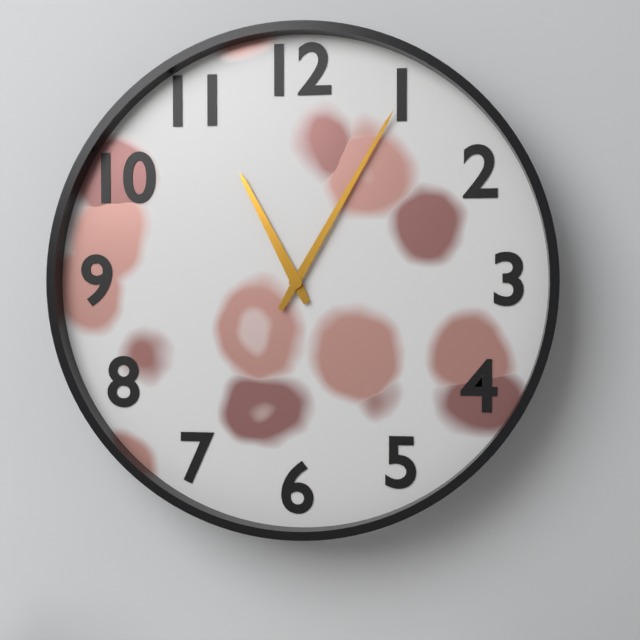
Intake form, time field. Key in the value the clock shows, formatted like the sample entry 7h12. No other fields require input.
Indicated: 11h05
